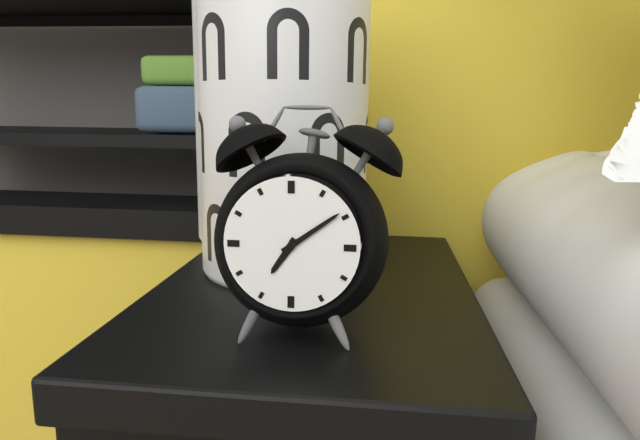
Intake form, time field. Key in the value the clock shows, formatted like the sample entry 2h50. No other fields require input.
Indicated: 7h09
